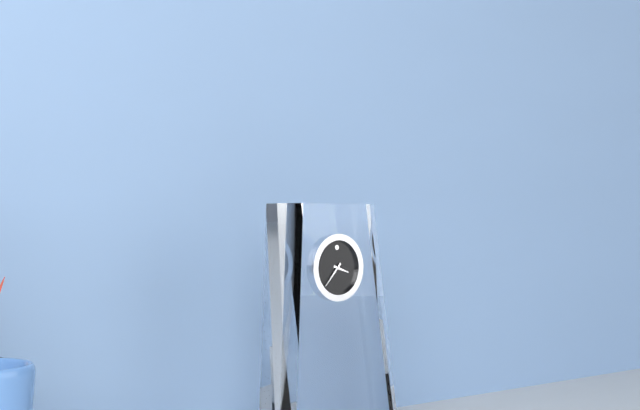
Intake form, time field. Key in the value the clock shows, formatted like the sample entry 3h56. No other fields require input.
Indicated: 3h37
